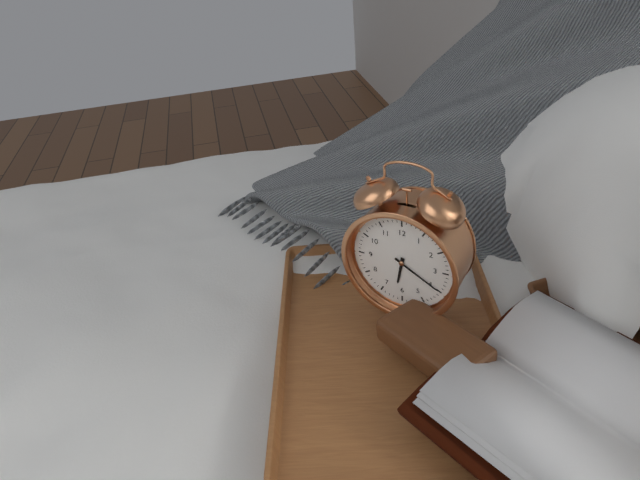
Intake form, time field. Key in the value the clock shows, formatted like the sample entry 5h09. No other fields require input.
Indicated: 6h20
